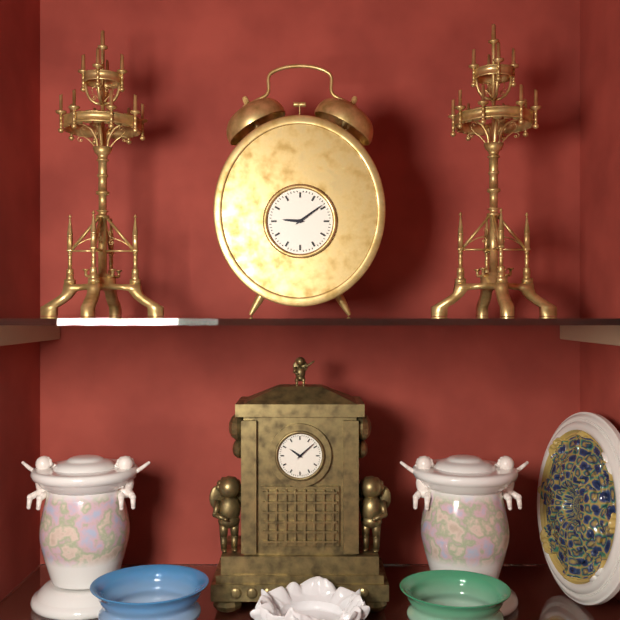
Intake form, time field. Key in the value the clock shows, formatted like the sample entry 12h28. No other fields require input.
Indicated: 9h09
